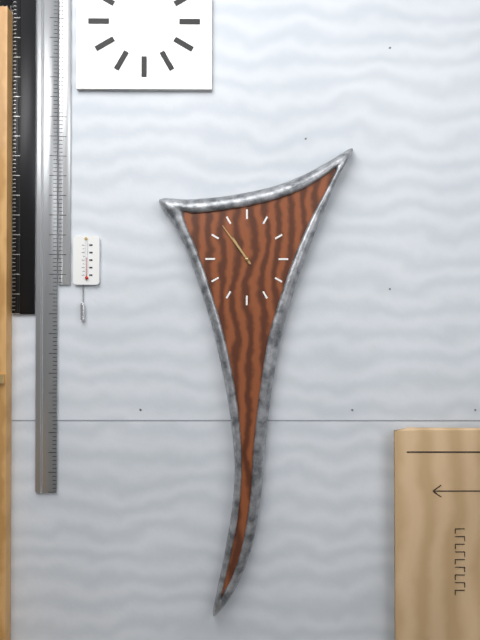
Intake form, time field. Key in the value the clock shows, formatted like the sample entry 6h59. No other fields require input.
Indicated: 10h54
